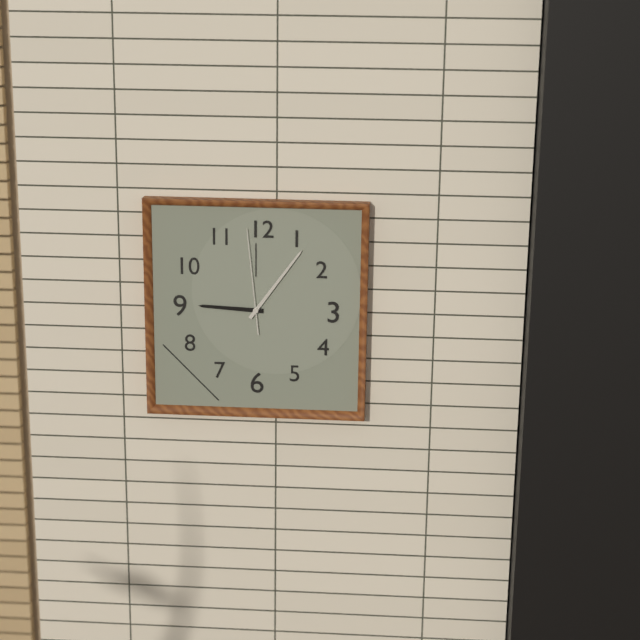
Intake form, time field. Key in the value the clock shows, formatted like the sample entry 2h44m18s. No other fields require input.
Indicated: 9h06m59s
